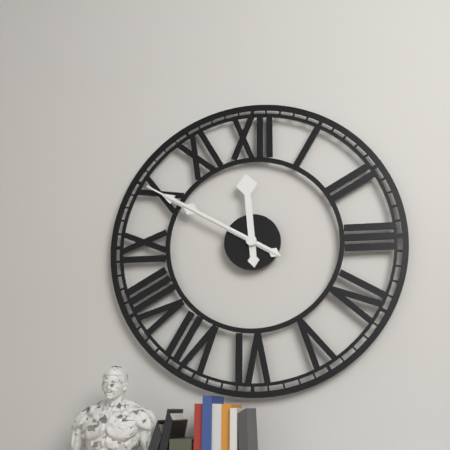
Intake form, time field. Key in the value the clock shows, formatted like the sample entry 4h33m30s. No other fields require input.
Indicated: 11h50m50s
